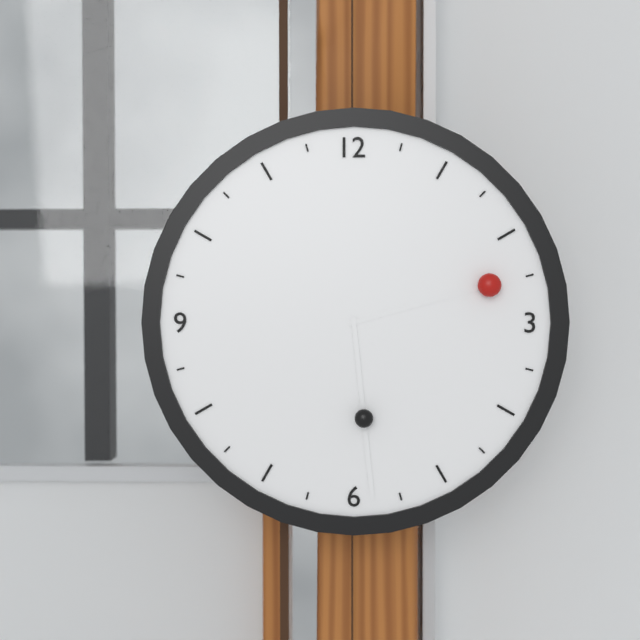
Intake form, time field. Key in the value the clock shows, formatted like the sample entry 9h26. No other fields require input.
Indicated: 2h29
